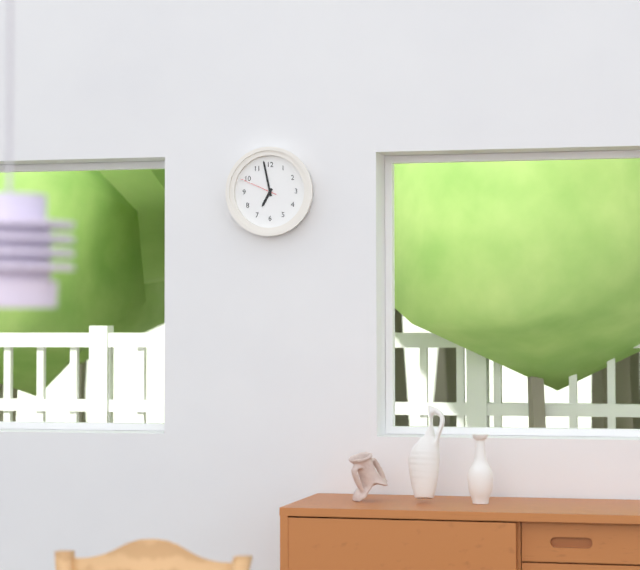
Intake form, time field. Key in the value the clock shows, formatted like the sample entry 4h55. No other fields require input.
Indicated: 6h58
